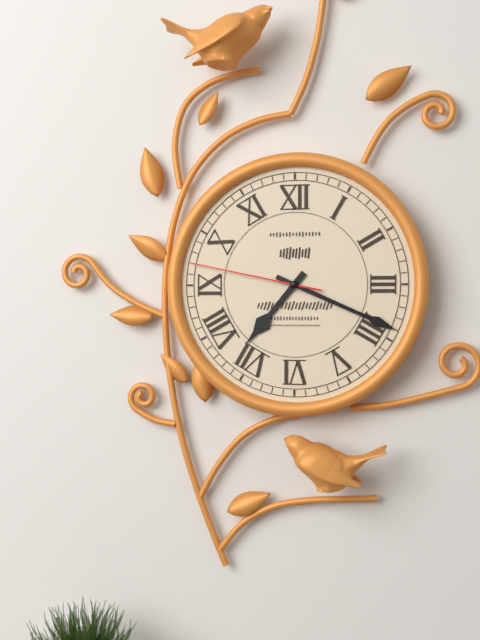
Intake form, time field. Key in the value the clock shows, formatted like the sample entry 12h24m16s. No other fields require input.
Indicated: 7h19m47s
